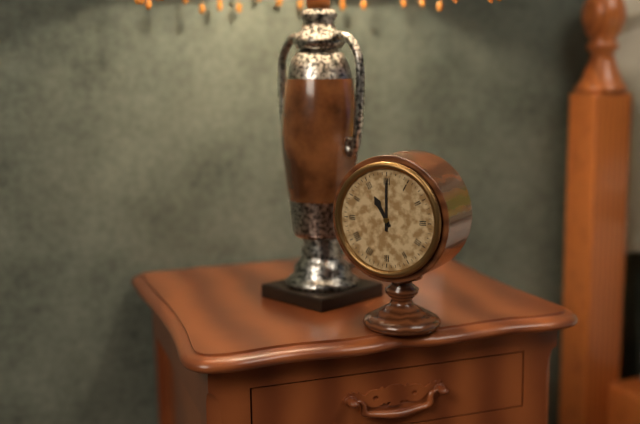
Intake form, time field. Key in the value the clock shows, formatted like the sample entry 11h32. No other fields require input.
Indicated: 11h00
